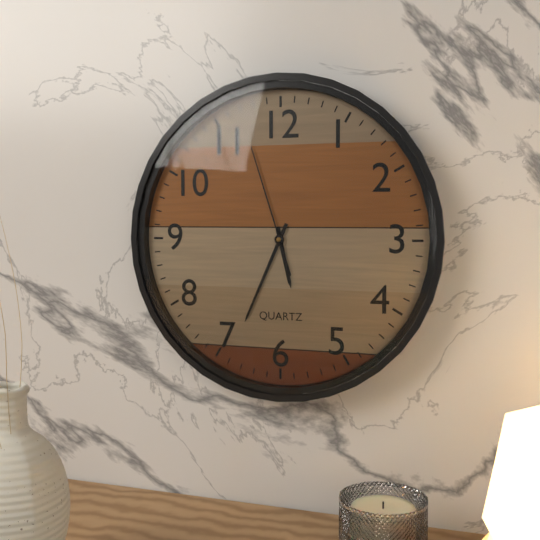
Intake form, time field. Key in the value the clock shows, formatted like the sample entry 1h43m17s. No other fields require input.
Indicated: 5h34m57s
